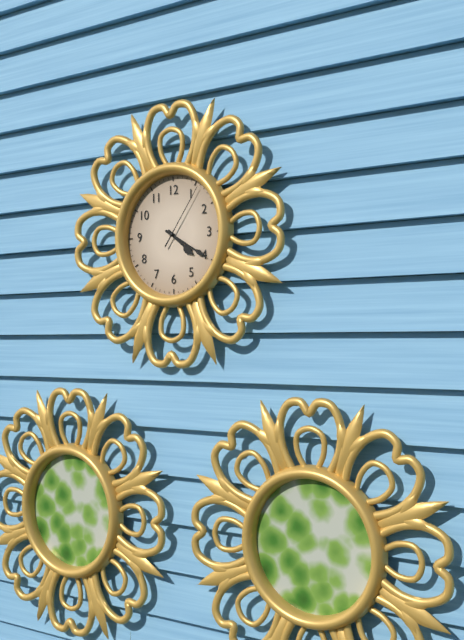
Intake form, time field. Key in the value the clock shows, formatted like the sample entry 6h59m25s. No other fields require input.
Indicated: 4h20m06s
